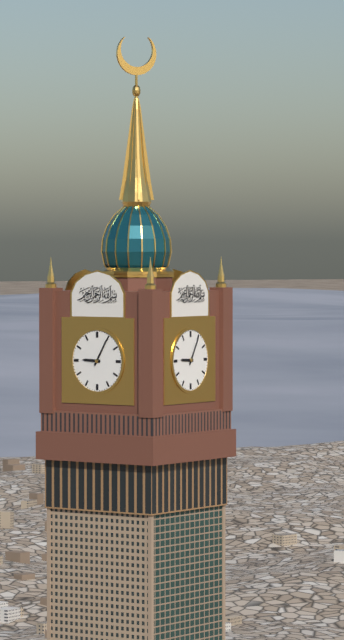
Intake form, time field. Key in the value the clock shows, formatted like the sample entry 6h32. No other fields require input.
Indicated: 9h05
